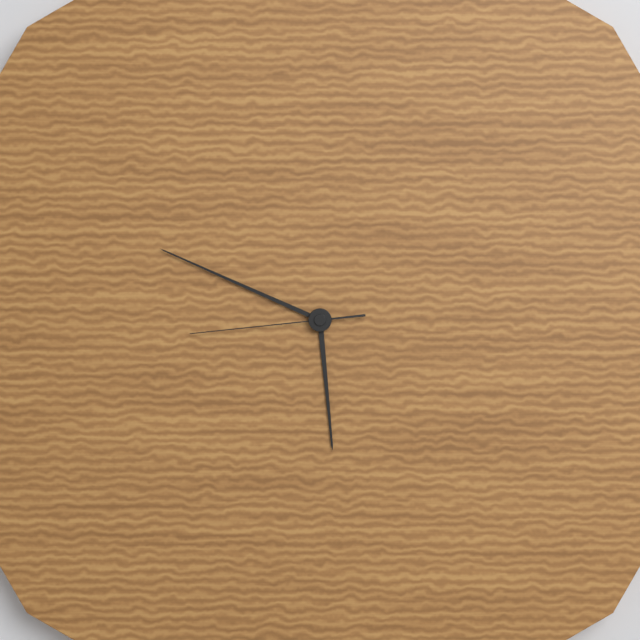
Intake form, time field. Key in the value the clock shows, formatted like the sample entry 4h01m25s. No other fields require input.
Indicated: 5h49m44s
